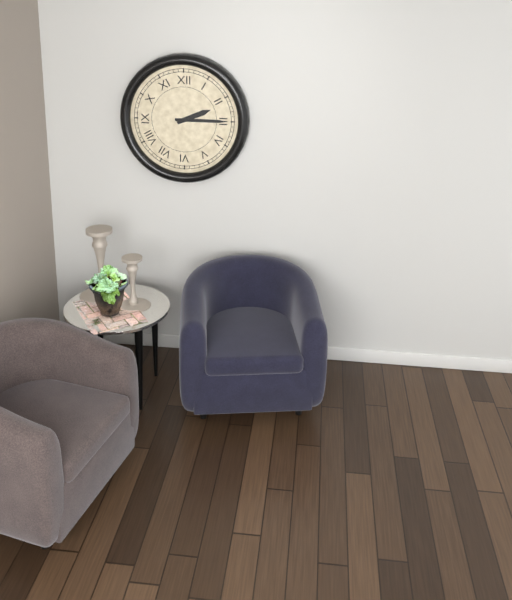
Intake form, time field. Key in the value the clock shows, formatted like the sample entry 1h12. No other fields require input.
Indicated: 2h15
